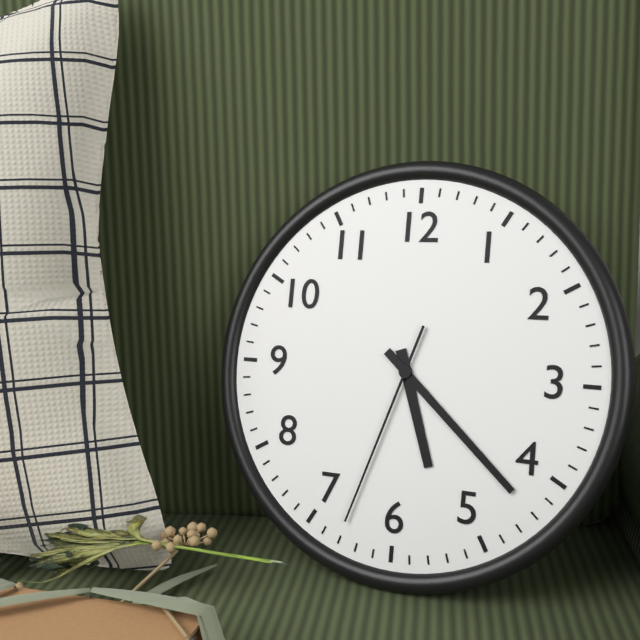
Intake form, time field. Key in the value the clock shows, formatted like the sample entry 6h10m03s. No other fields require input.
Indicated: 5h22m33s
